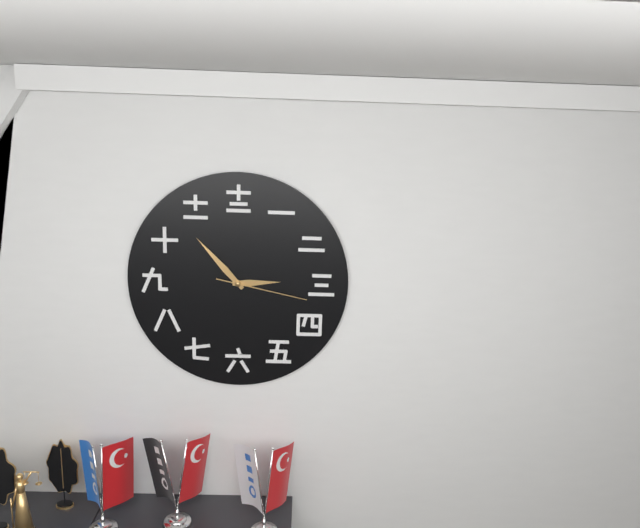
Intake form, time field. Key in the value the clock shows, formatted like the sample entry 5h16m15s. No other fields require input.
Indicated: 2h53m17s
